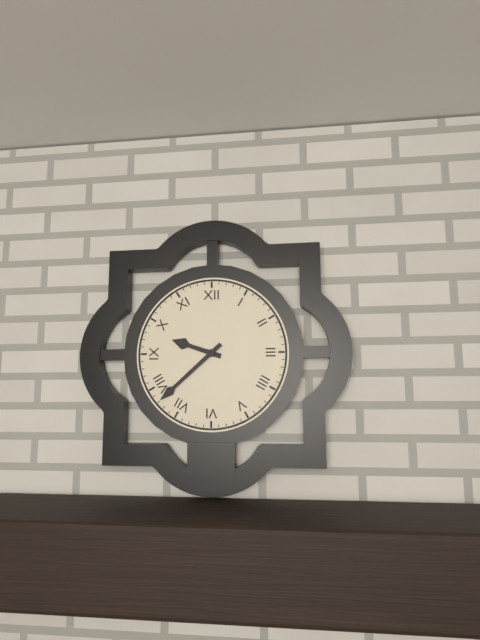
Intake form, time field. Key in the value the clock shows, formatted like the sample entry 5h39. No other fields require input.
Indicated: 9h38
